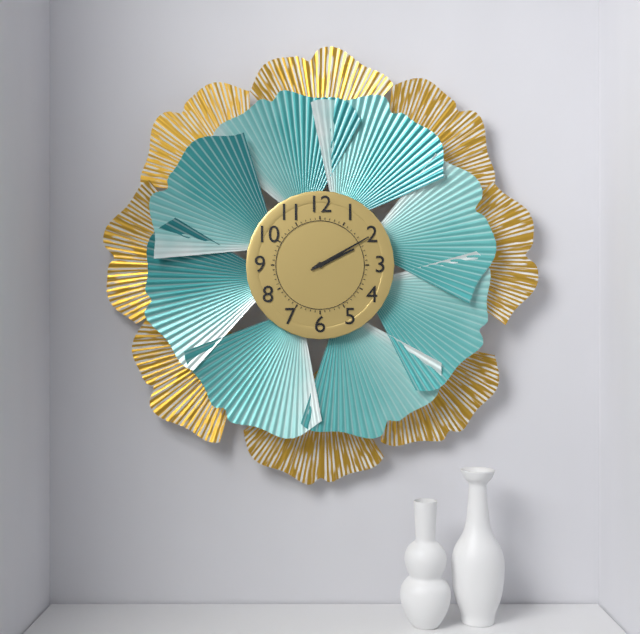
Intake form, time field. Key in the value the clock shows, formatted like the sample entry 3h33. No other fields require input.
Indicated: 2h10
